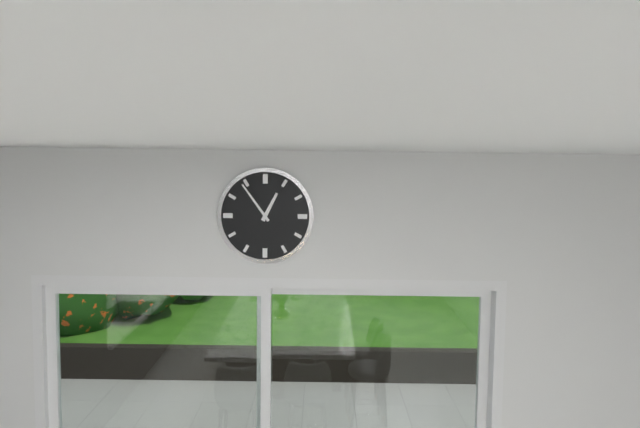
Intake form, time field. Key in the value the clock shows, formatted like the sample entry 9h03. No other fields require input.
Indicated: 12h54
